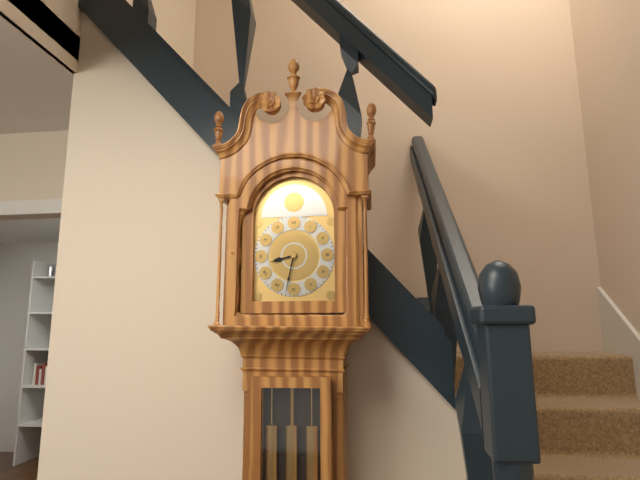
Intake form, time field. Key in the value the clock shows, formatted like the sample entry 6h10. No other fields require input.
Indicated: 8h32
